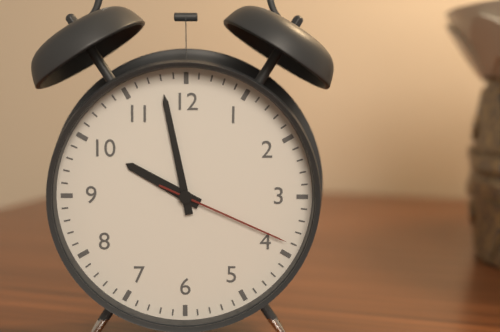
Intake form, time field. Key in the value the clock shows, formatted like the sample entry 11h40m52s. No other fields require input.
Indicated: 9h58m19s
